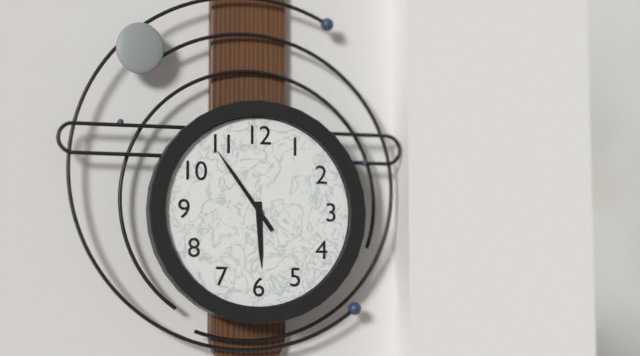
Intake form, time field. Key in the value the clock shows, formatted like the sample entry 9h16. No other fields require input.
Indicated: 5h54
